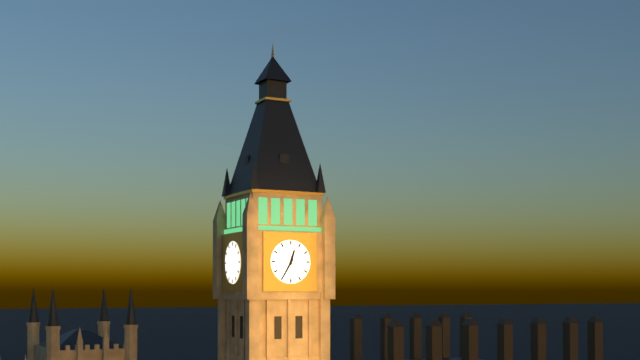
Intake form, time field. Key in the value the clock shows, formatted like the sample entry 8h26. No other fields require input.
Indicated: 12h35
